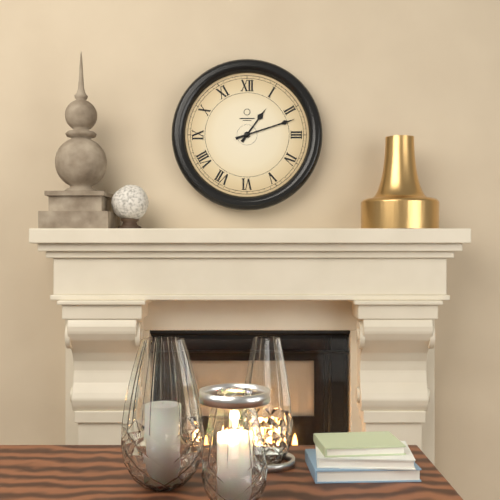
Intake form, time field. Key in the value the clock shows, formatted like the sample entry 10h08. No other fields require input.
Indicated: 1h12
